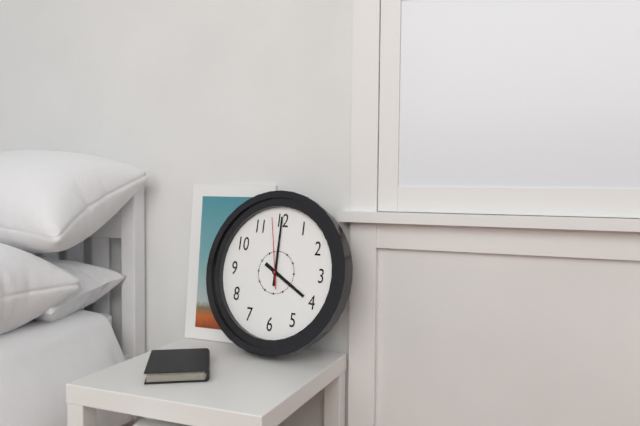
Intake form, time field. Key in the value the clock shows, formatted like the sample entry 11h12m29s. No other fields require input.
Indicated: 4h00m58s
